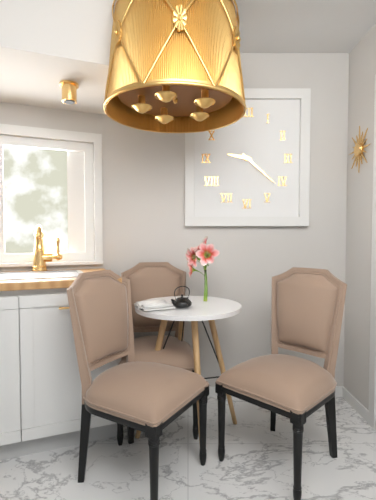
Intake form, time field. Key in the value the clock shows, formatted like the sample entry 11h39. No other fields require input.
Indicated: 9h22
